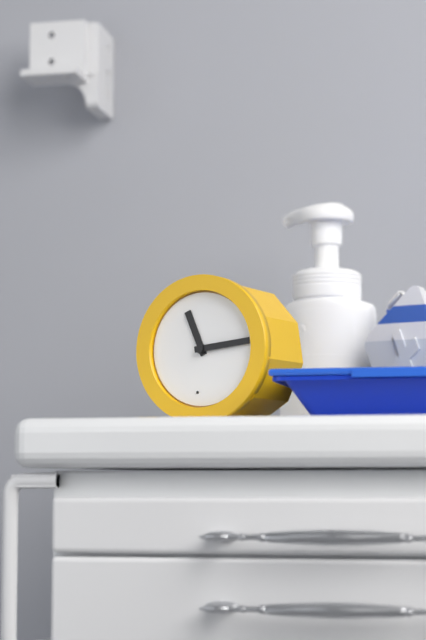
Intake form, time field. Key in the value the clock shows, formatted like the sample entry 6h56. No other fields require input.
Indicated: 11h14
